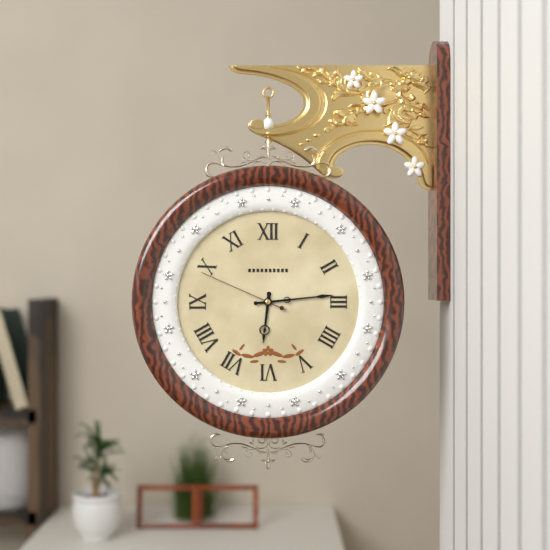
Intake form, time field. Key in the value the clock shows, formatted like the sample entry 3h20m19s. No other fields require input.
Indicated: 6h14m49s
